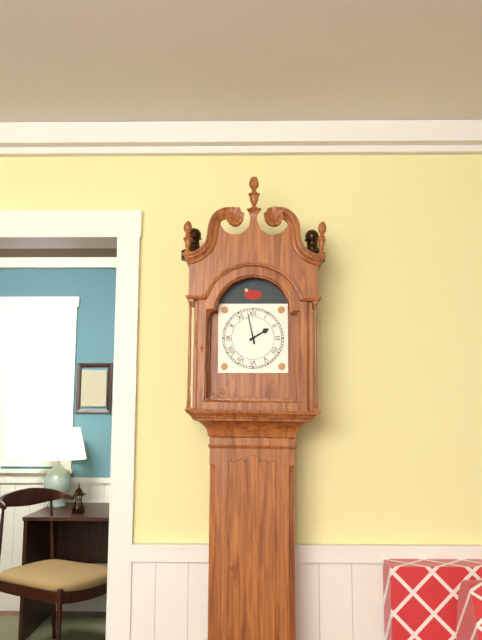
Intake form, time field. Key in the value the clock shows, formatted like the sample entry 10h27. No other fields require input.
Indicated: 1h58
